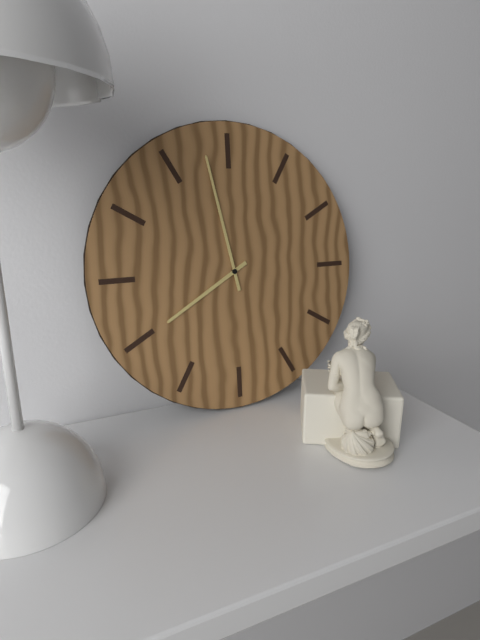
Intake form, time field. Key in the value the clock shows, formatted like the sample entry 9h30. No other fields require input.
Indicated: 7h58
